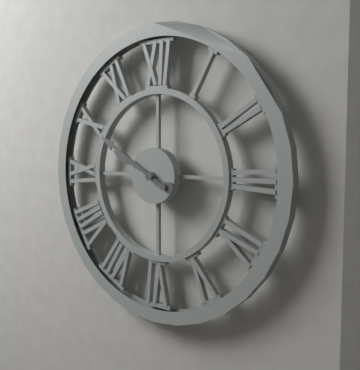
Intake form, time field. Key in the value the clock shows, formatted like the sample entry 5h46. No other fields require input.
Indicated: 9h50
